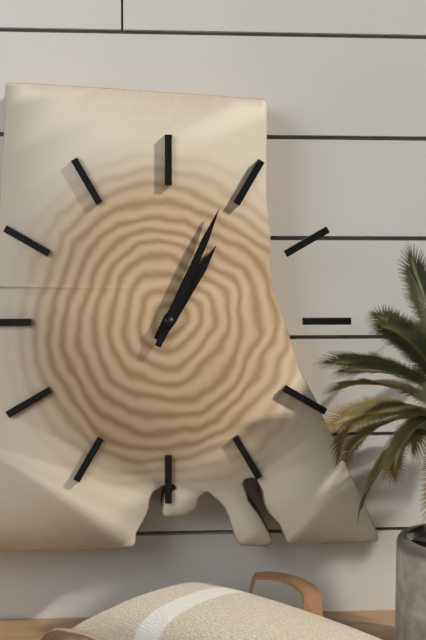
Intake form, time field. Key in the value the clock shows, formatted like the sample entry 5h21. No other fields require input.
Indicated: 1h04
